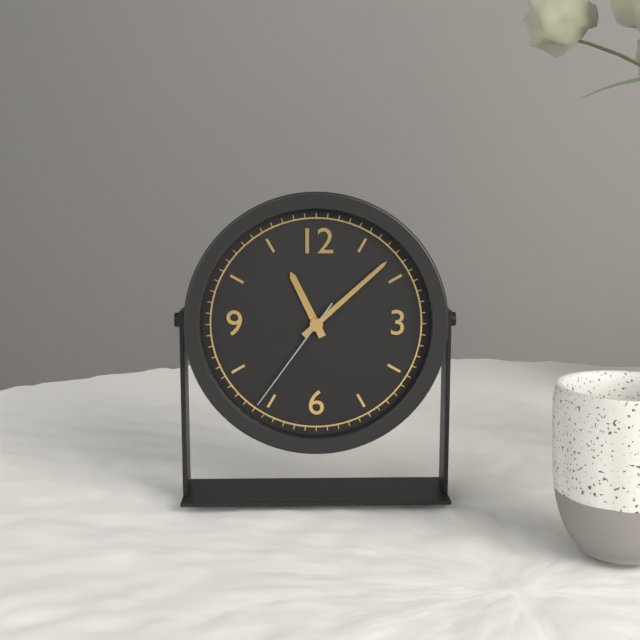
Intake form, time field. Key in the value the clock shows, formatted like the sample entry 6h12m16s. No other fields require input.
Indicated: 11h08m36s
